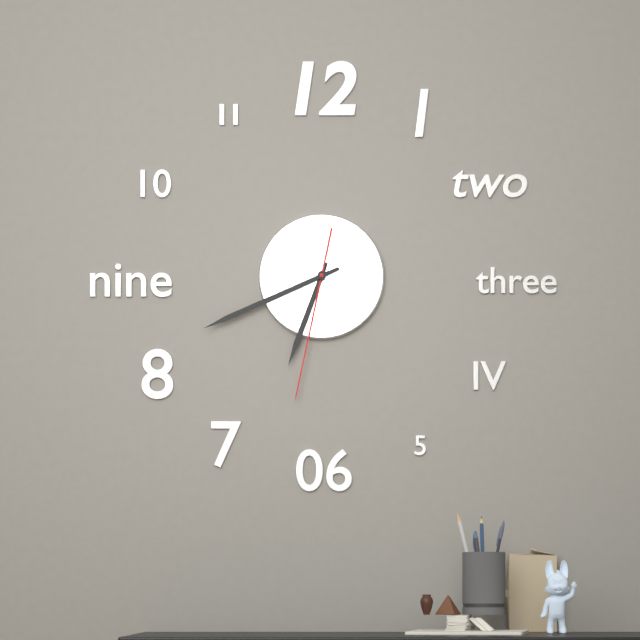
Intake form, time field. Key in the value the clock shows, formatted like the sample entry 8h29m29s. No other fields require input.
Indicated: 6h41m32s
